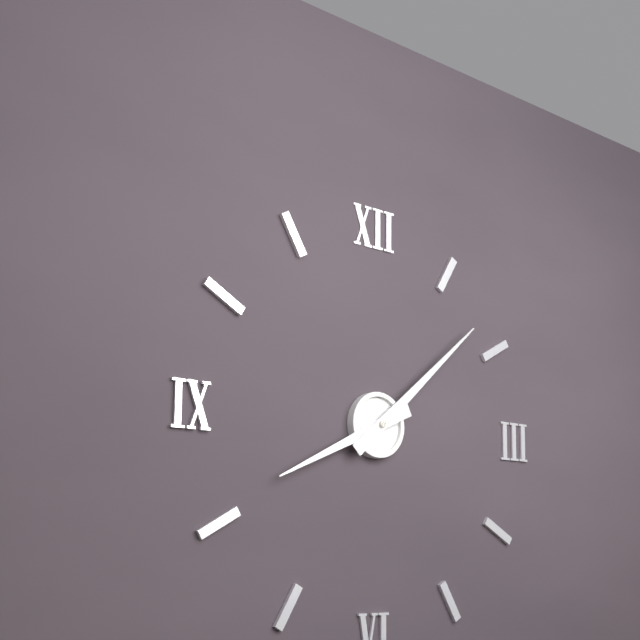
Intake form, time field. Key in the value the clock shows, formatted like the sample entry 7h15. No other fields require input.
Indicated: 8h08
